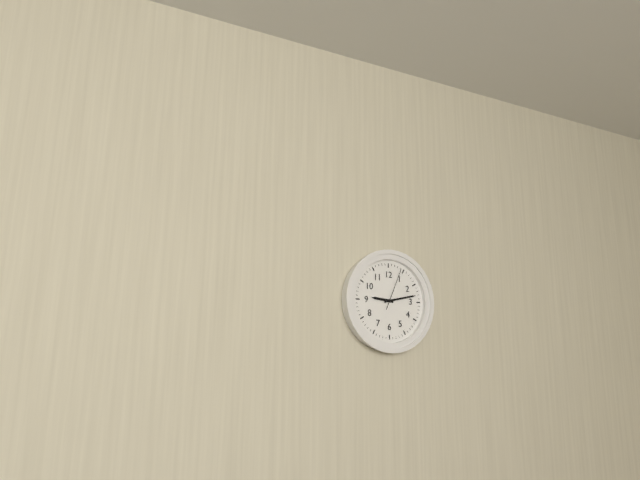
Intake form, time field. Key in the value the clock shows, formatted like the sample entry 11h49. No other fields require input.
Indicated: 9h13
